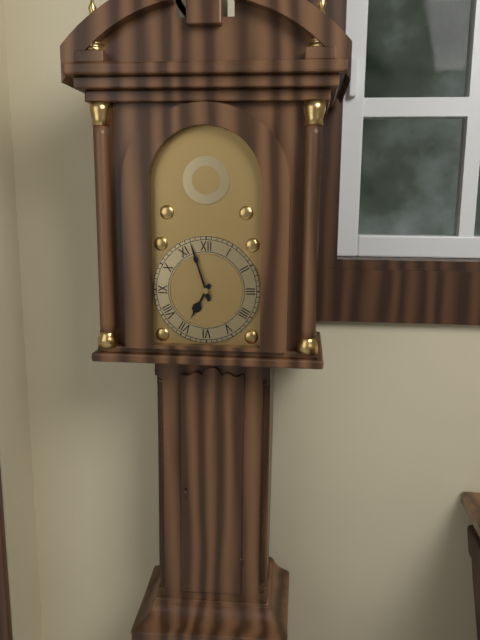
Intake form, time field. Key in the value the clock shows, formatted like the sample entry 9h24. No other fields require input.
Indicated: 6h57
